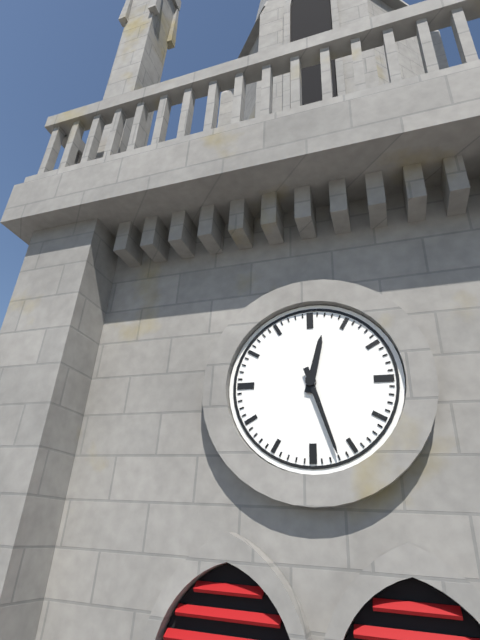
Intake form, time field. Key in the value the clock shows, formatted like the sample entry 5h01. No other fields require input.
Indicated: 12h27
